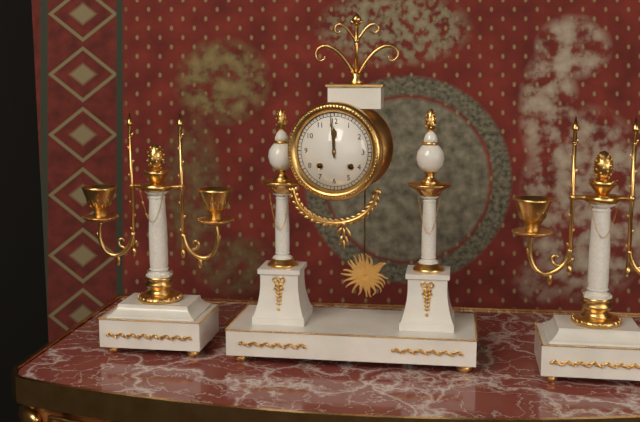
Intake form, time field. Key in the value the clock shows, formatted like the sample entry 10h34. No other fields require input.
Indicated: 11h59
